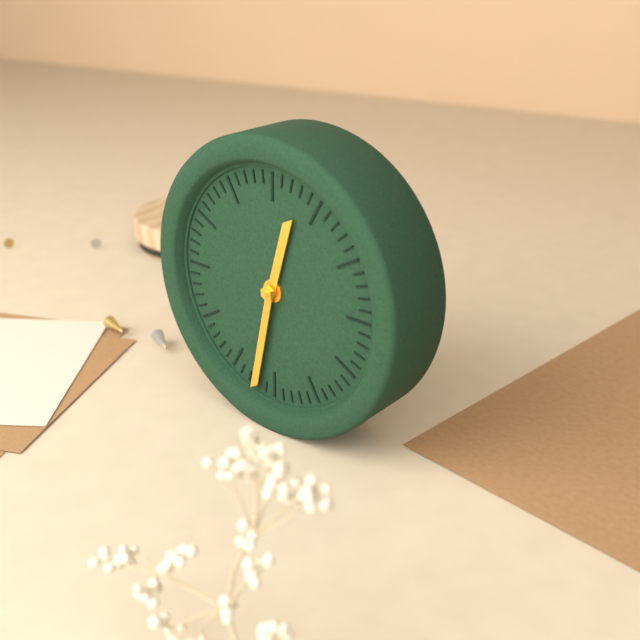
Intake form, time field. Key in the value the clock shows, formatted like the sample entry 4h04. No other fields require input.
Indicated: 12h32
